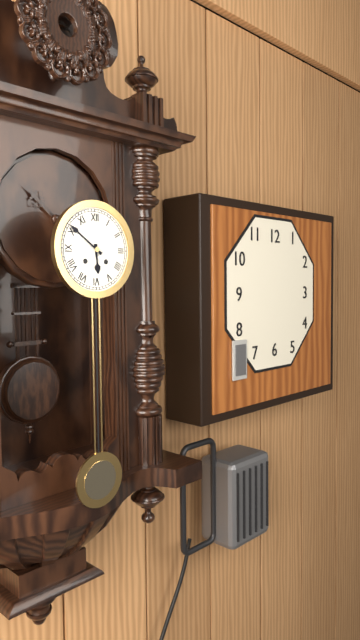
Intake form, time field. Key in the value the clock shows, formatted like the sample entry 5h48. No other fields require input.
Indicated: 5h51
